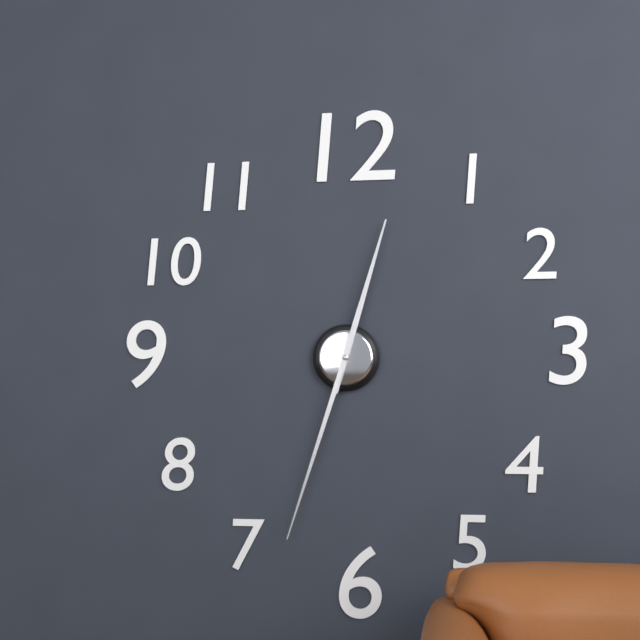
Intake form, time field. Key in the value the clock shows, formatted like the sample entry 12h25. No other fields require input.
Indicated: 12h33
